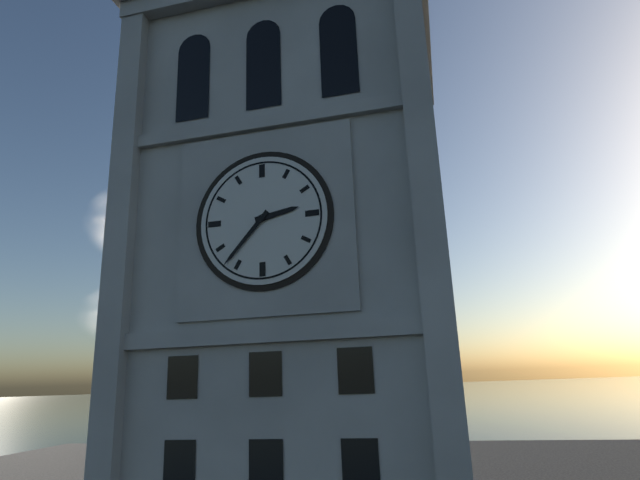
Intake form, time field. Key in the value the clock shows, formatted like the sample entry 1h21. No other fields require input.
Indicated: 2h37
